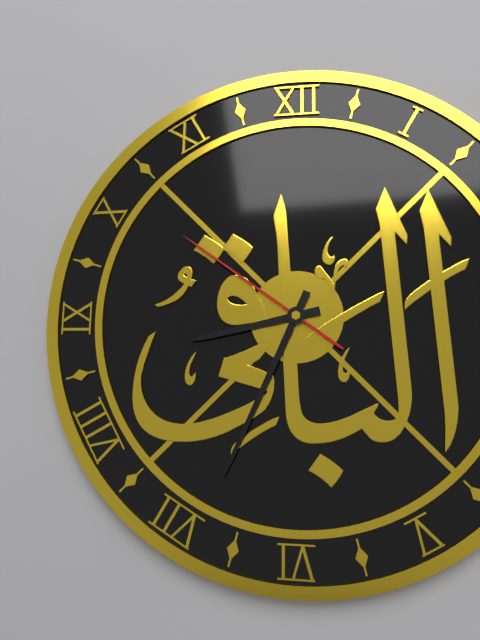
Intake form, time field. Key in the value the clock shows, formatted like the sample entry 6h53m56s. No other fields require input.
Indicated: 8h34m51s
